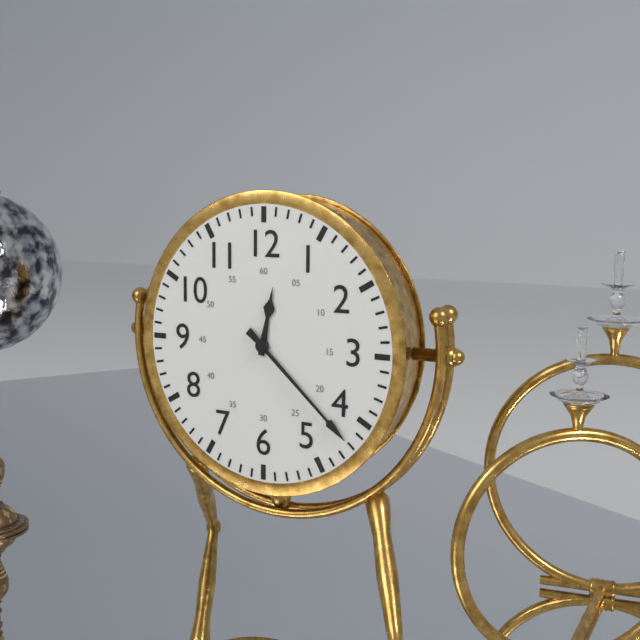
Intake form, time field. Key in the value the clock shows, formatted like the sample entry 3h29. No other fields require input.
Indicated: 12h22
